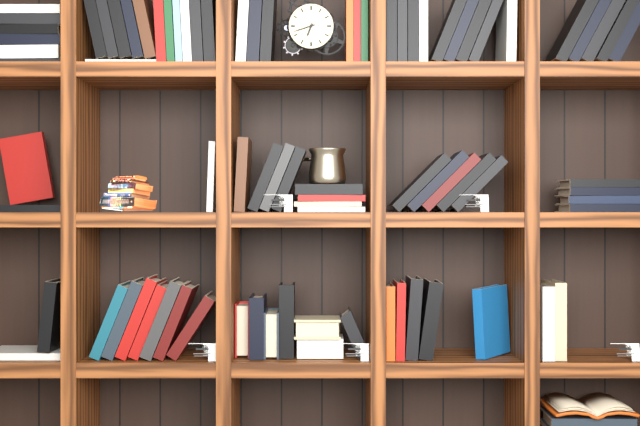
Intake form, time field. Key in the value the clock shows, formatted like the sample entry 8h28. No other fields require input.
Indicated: 6h42
